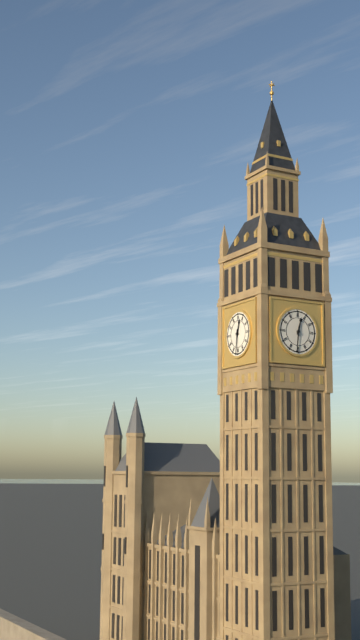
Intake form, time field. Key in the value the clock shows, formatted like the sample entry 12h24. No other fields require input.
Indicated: 12h31
